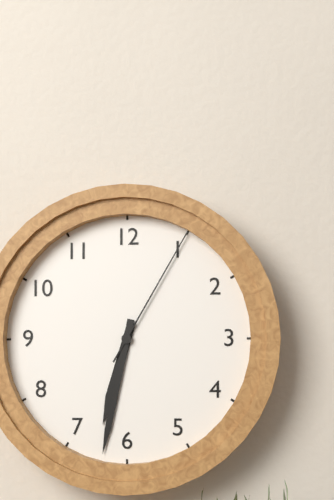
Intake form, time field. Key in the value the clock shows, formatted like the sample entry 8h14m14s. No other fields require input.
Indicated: 6h32m05s
